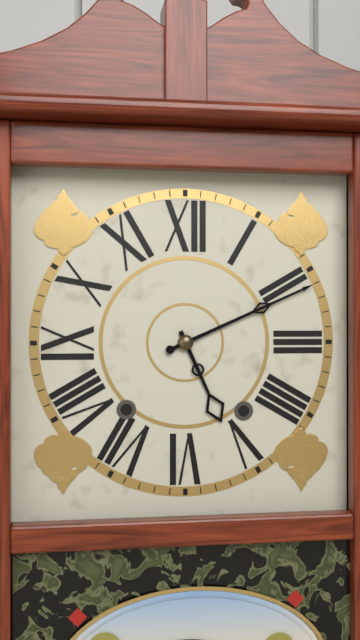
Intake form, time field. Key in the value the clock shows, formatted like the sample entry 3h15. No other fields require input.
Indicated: 5h11
